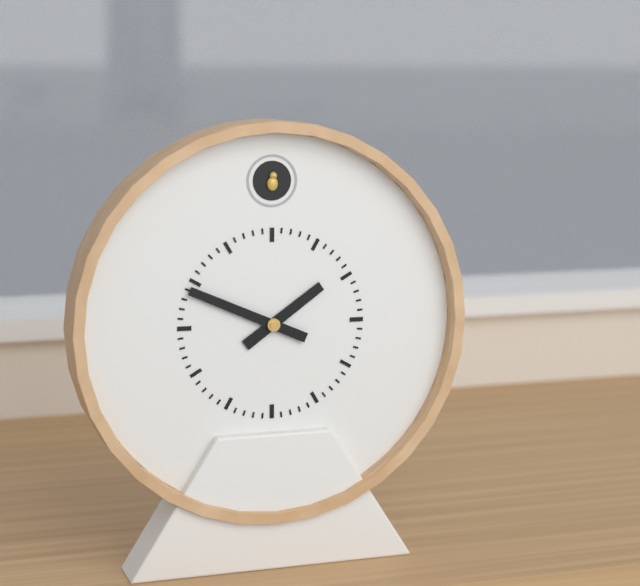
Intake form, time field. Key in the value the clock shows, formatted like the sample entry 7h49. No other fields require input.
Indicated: 1h49
